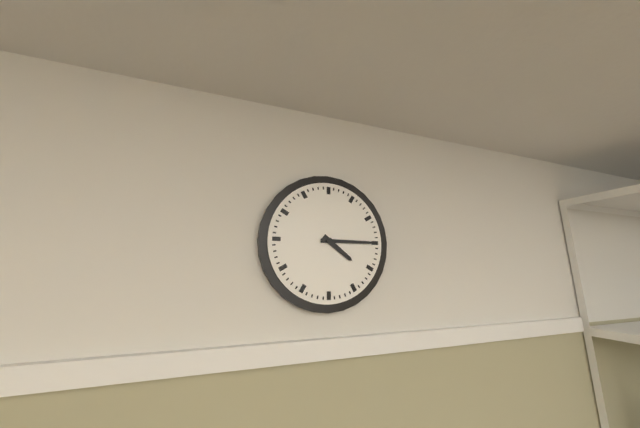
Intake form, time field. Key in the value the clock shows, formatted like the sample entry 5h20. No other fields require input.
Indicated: 4h15
